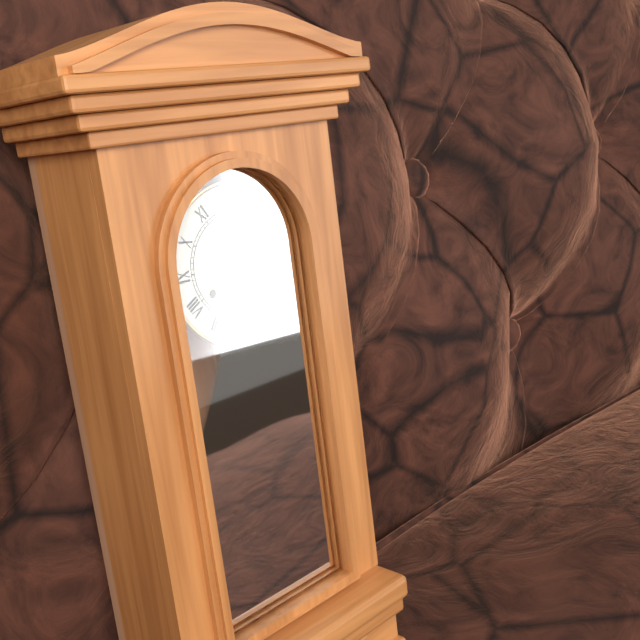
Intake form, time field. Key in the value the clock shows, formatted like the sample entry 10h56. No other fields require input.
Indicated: 4h29
